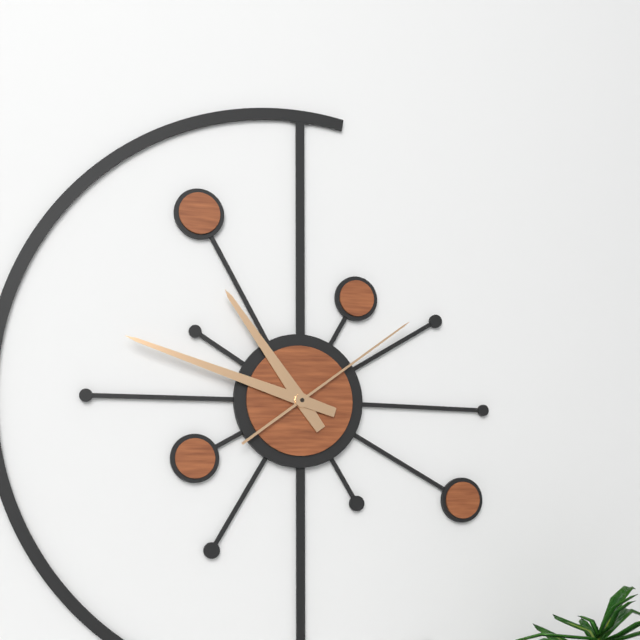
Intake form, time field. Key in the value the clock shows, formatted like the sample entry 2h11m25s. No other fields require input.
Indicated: 10h48m09s
